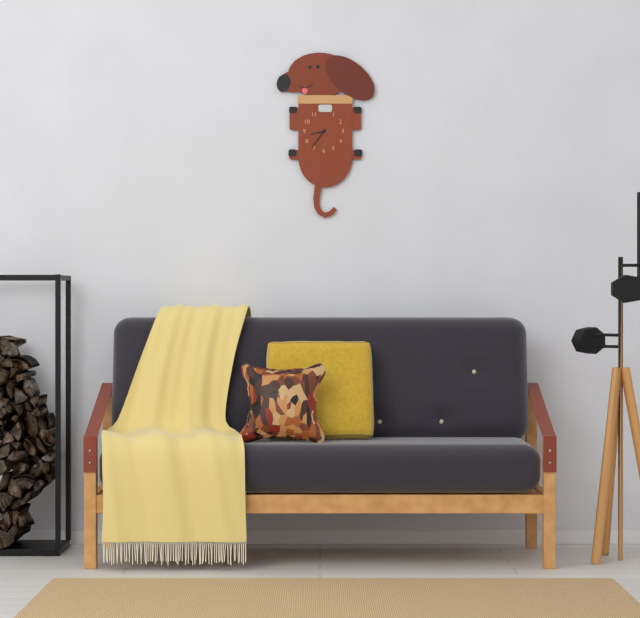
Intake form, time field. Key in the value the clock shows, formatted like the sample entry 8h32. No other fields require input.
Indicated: 8h36
